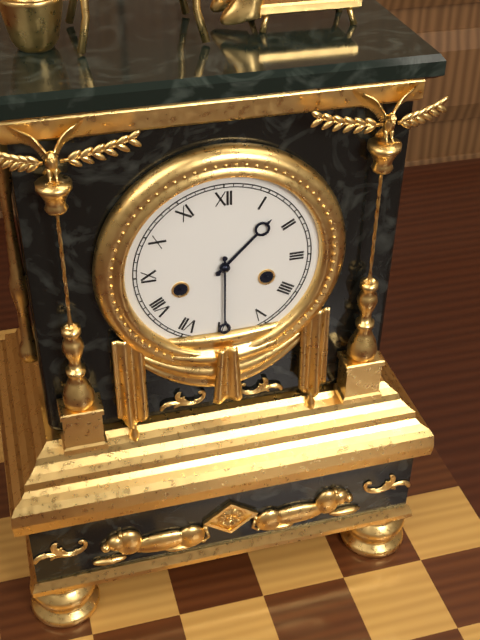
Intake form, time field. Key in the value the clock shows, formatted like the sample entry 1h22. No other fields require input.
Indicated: 1h30
